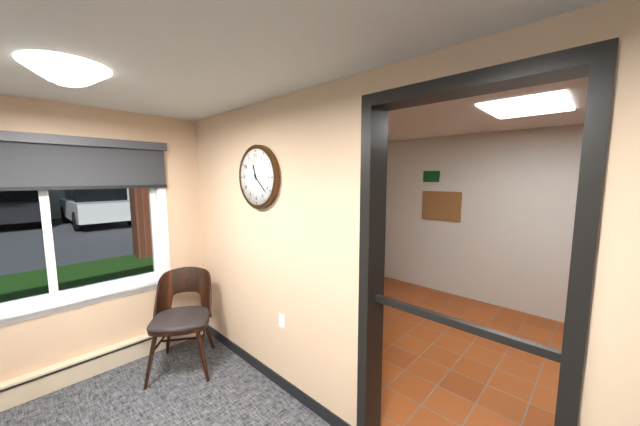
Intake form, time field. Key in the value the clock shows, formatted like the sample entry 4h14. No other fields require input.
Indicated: 11h22
